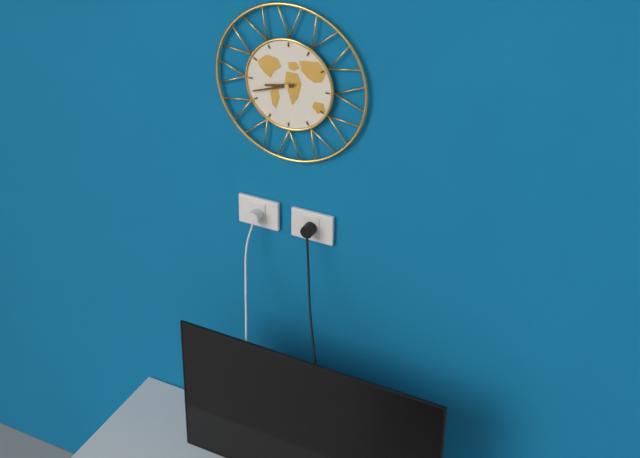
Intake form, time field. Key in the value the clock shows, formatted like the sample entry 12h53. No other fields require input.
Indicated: 8h42
